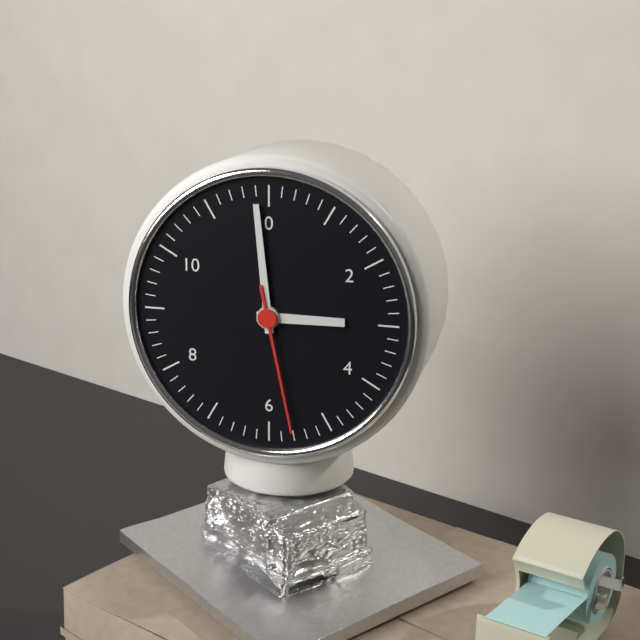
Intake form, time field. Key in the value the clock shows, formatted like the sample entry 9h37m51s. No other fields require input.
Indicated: 2h59m28s
